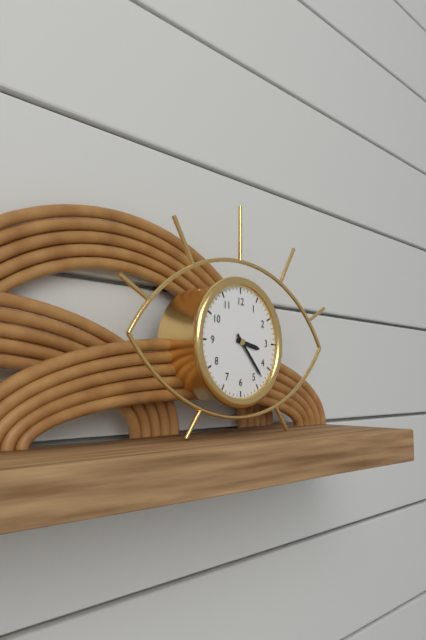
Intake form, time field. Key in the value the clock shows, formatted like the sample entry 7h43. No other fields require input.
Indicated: 3h23
